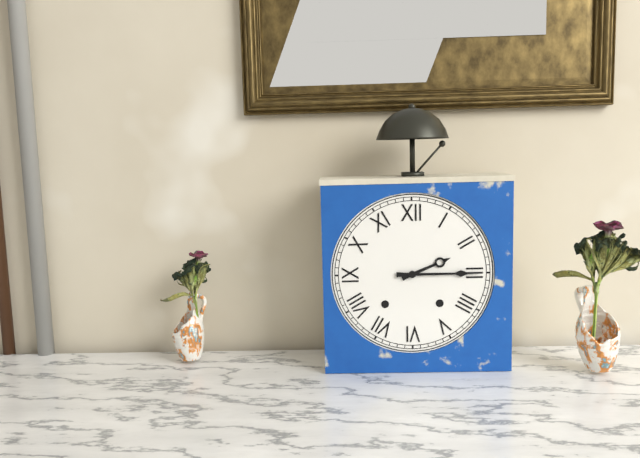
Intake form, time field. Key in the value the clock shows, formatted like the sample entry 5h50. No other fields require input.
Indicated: 2h15
